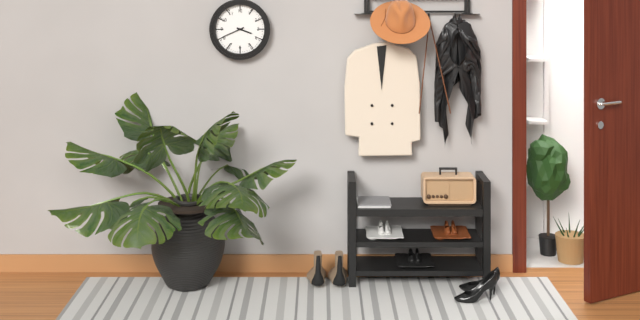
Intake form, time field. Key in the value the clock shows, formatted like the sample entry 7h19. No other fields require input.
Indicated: 3h41
